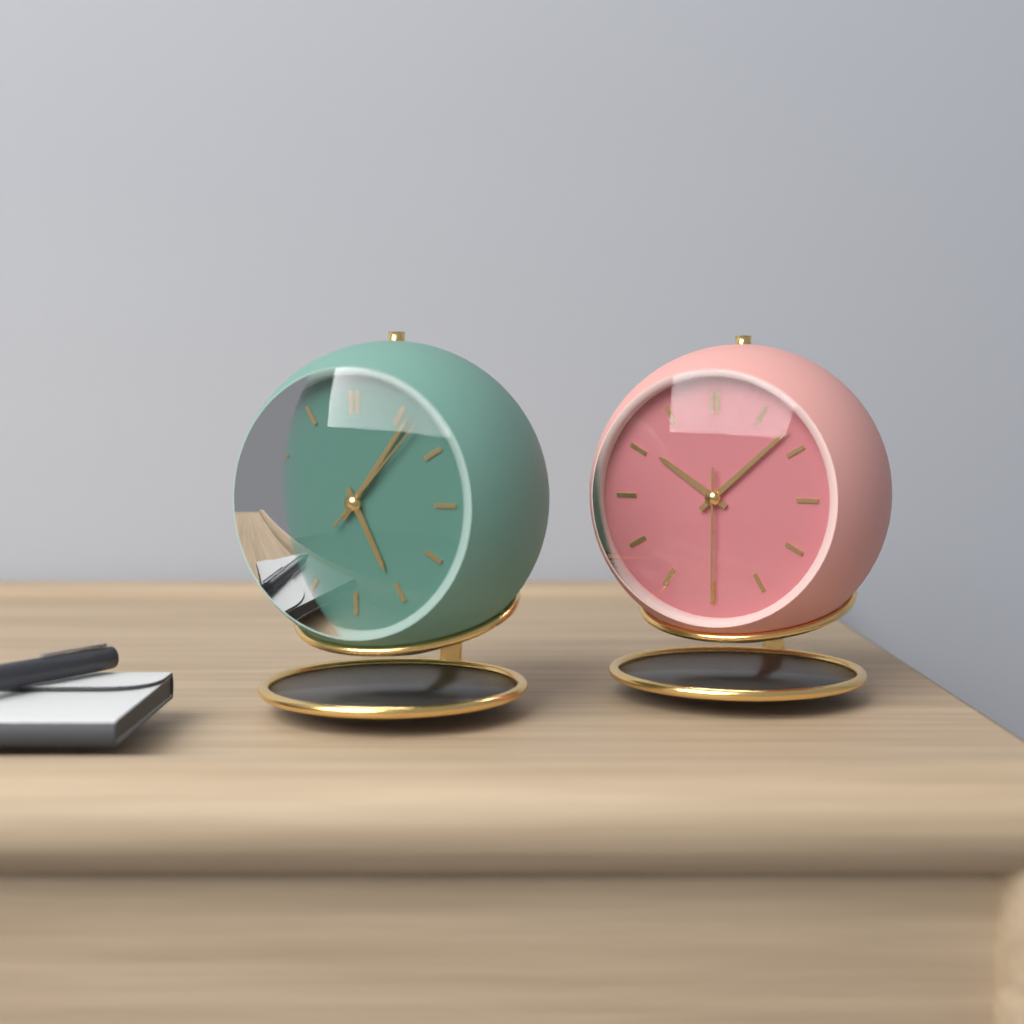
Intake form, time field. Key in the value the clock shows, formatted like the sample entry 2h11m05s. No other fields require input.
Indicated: 5h06m07s
